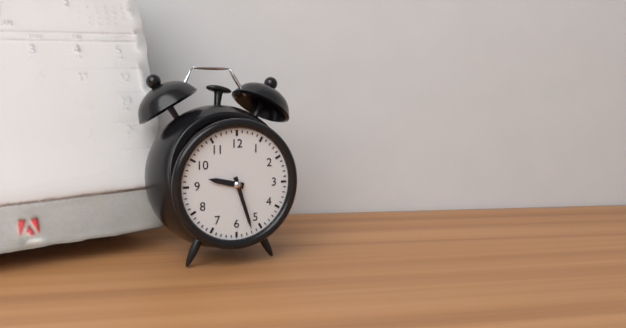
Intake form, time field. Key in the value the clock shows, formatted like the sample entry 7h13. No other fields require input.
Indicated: 9h27
